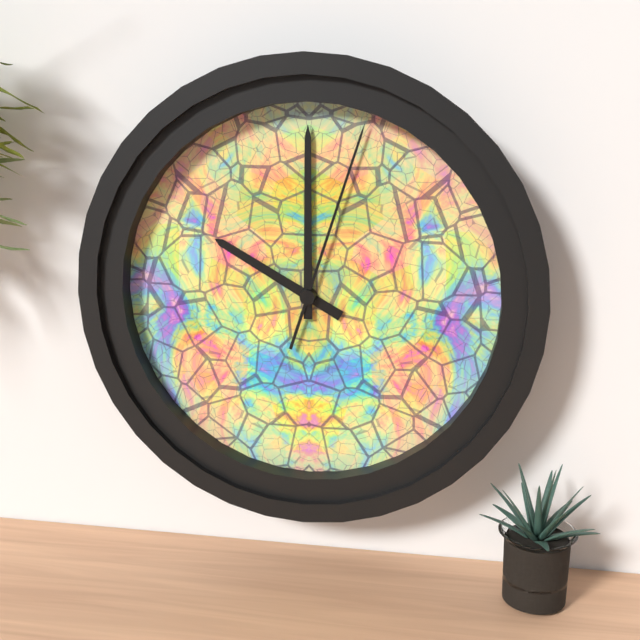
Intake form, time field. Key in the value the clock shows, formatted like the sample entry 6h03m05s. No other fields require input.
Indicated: 10h00m03s
